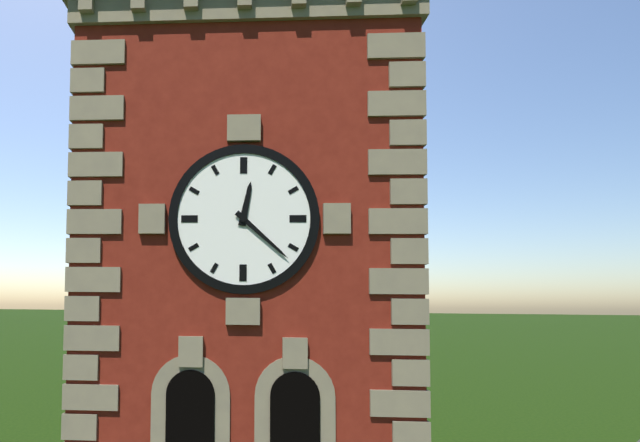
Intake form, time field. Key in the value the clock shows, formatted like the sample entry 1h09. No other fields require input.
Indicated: 12h22
